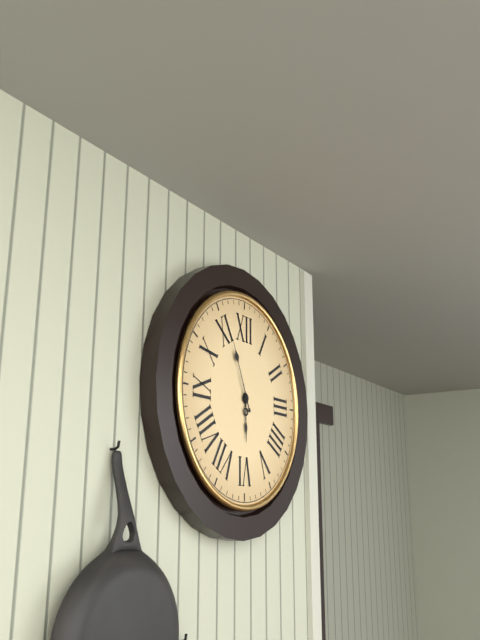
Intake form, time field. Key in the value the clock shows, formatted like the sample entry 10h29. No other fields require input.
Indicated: 5h56
